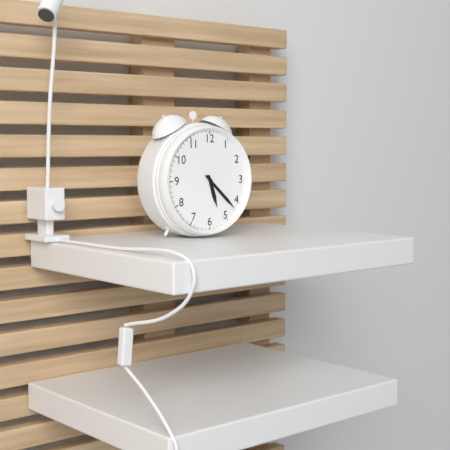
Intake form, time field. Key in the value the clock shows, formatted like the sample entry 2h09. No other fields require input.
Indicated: 5h22
